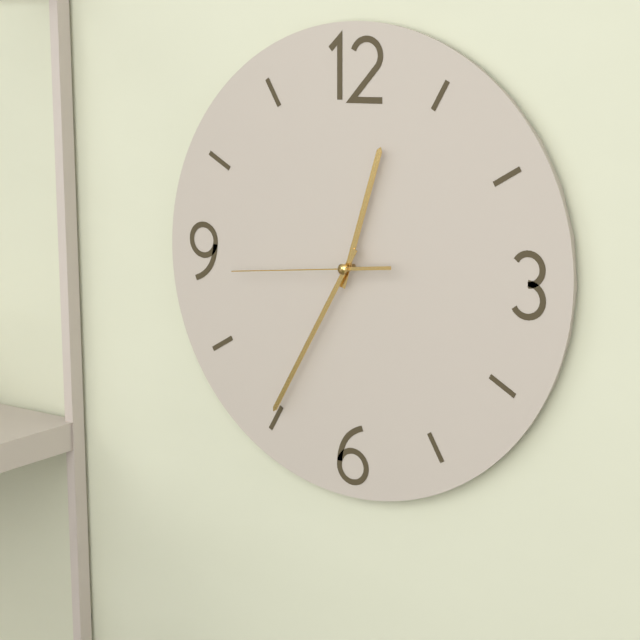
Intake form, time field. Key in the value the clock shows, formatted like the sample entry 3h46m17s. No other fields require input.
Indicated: 12h35m44s
